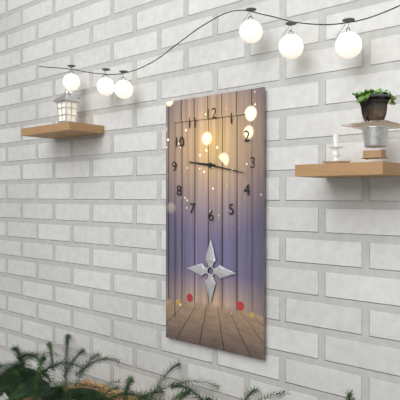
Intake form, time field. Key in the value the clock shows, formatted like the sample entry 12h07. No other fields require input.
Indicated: 9h17
